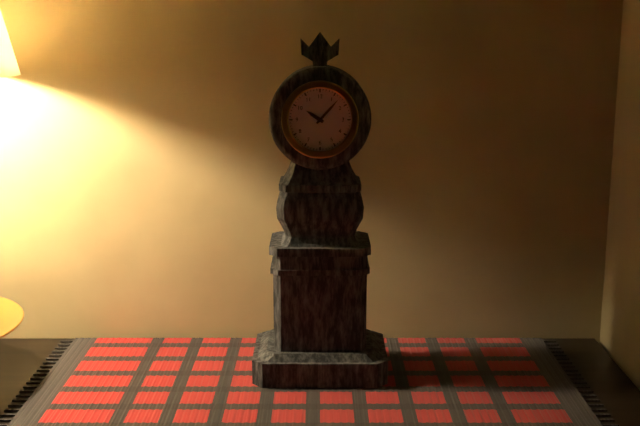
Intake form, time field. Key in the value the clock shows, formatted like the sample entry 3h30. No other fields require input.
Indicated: 10h07
